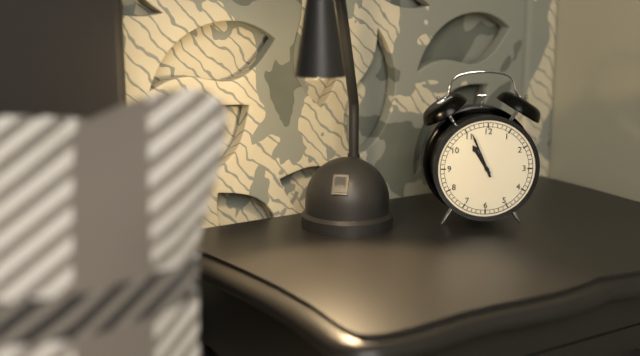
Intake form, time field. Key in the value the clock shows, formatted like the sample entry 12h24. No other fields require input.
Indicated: 10h56
